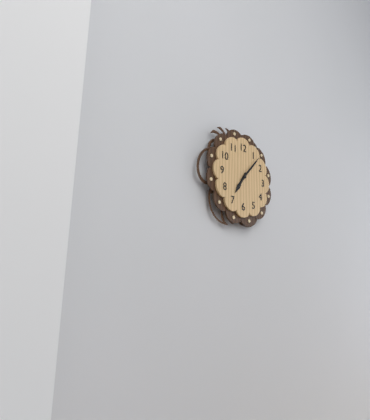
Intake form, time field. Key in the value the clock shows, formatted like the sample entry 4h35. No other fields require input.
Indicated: 7h07
